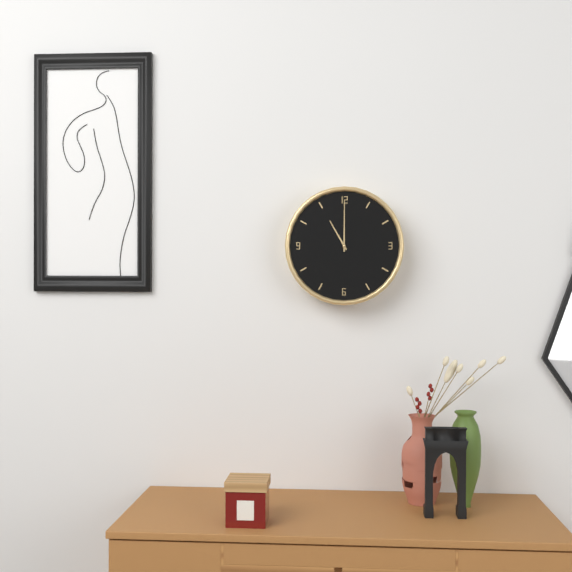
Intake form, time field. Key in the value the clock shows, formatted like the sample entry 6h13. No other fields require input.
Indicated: 11h00
